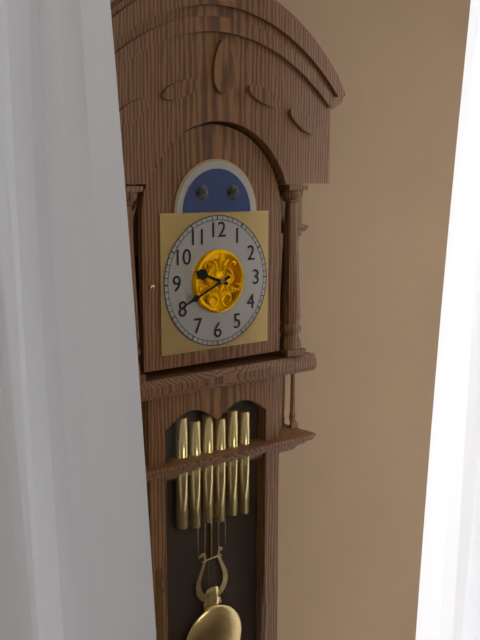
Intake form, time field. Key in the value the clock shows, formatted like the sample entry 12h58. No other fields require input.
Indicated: 9h41
